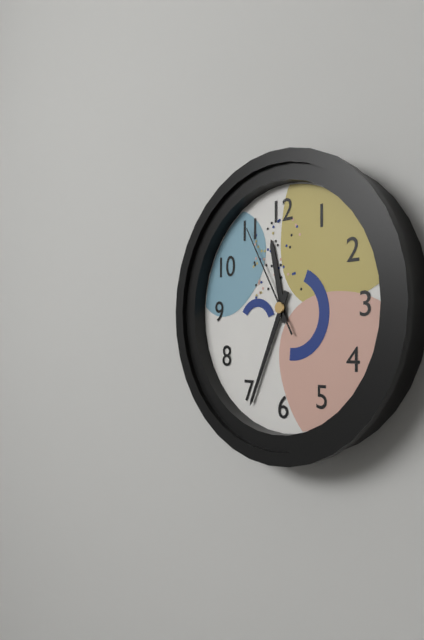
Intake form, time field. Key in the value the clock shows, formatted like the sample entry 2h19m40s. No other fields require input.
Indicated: 11h34m55s
